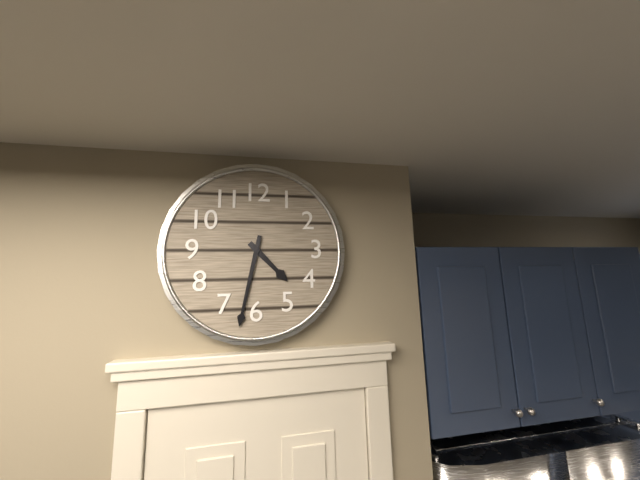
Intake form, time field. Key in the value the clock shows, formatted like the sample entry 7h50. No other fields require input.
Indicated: 4h32
